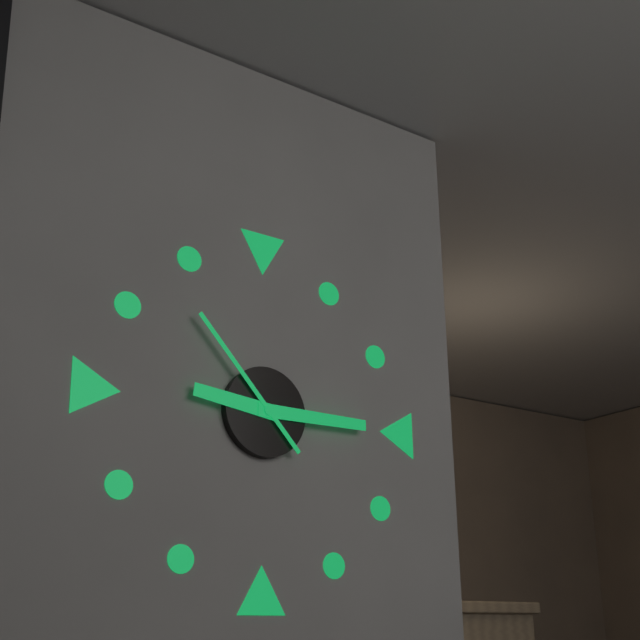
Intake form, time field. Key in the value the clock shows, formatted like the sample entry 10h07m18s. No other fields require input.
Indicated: 9h15m53s
